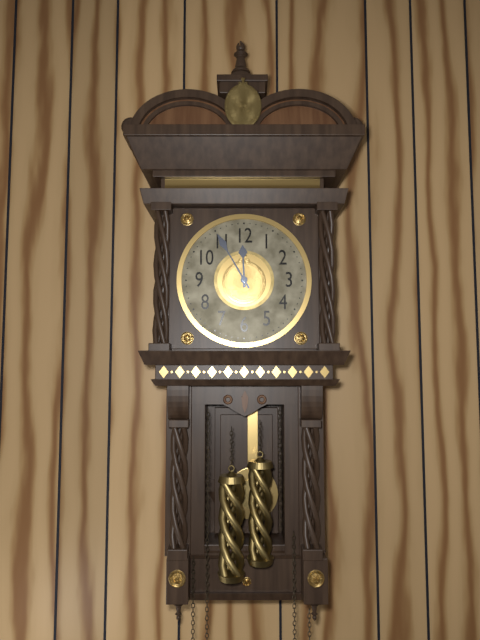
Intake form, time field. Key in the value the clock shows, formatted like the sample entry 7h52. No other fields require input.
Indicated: 11h55
